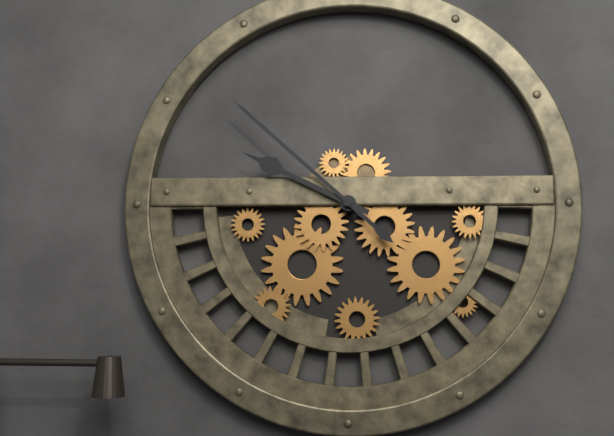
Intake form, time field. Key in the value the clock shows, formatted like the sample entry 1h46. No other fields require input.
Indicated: 9h52
